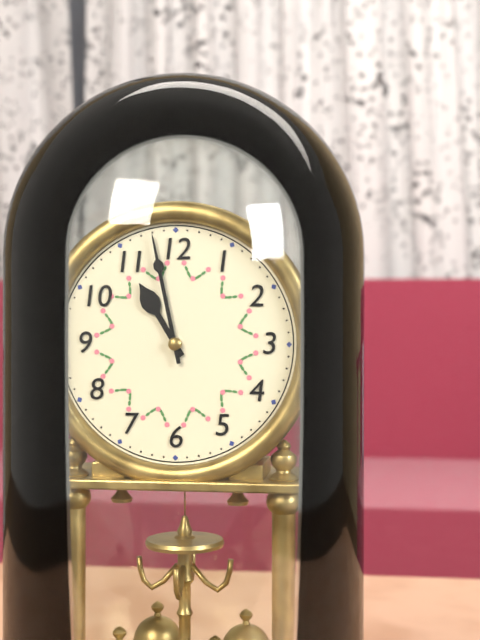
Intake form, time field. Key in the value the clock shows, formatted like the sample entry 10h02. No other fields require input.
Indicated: 10h58
